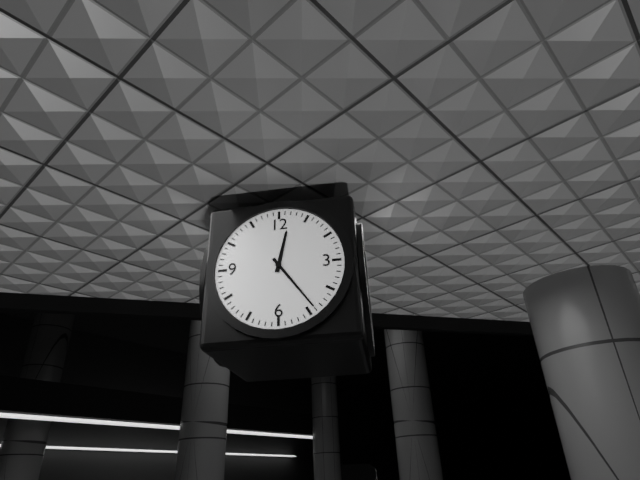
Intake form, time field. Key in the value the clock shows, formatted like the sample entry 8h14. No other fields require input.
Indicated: 12h24
